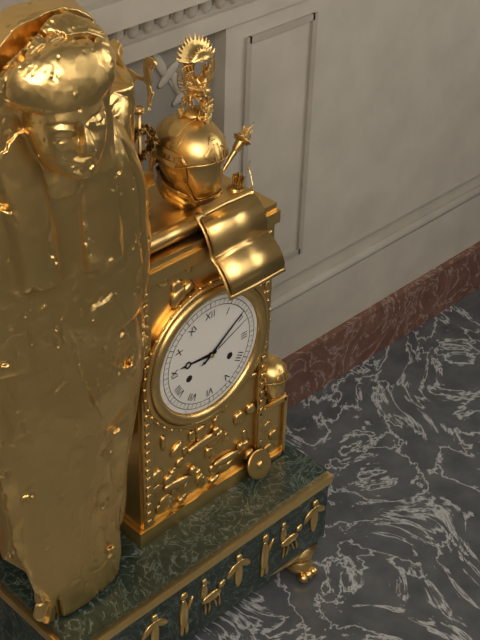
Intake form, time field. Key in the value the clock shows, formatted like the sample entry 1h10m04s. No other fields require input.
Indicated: 9h09m11s
